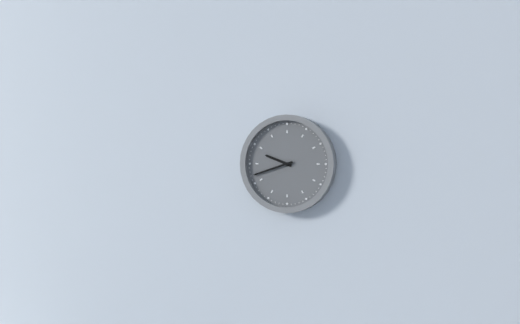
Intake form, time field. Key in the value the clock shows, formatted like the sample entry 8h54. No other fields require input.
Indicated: 9h42
